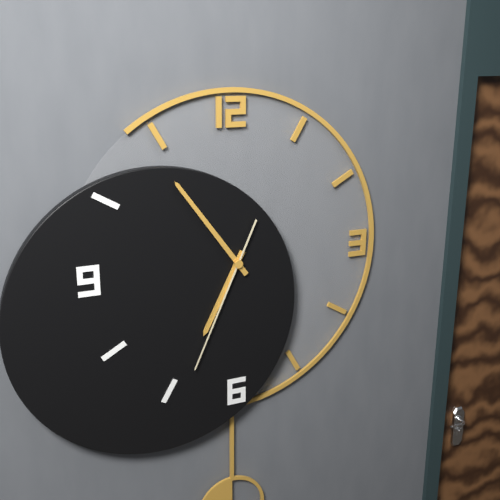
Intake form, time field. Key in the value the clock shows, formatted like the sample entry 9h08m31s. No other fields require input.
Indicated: 6h54m34s
